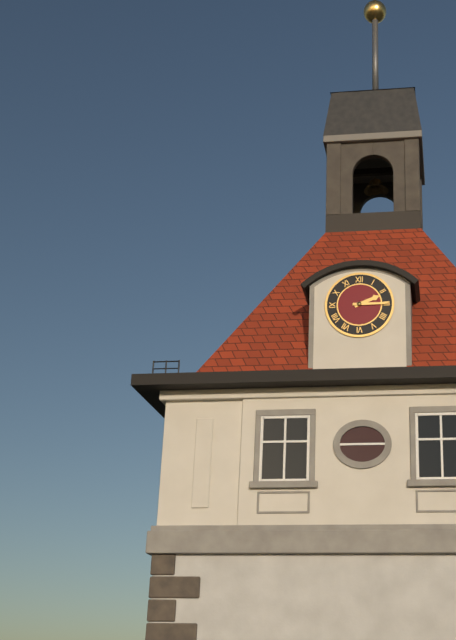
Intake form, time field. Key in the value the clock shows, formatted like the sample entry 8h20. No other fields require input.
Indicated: 2h15
